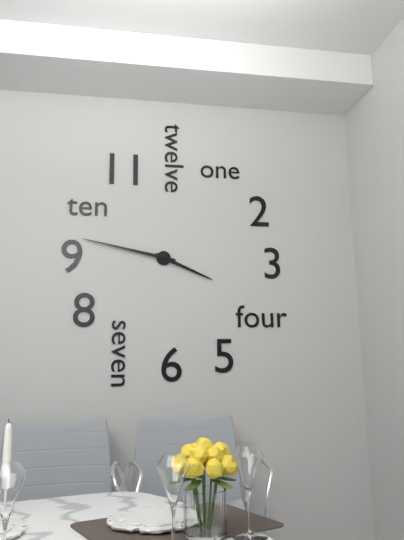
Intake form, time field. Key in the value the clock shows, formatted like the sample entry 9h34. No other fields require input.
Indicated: 3h47
